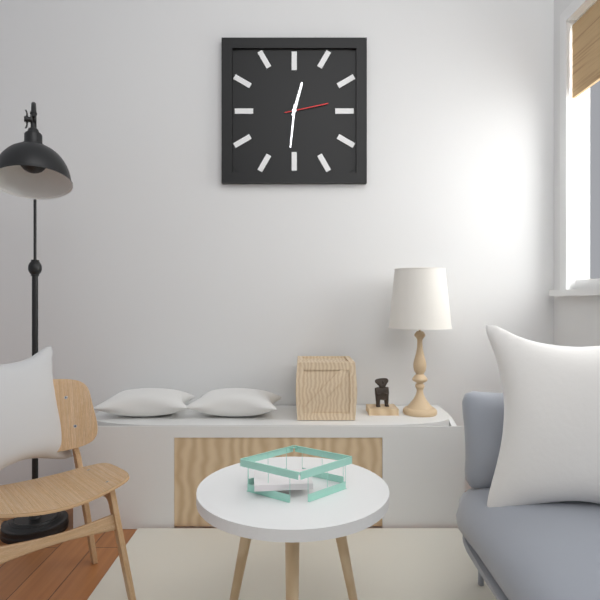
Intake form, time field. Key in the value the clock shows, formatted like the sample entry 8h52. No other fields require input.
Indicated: 12h31
